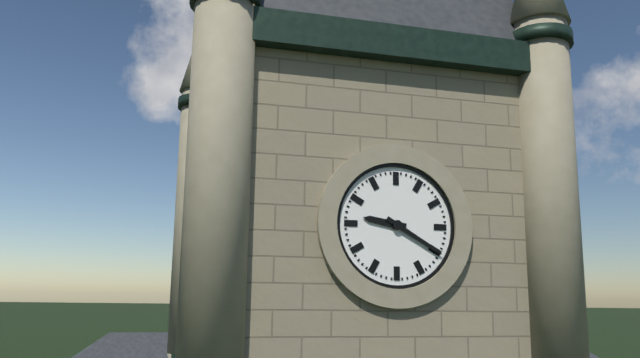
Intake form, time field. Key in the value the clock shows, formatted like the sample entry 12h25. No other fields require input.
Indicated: 9h20
